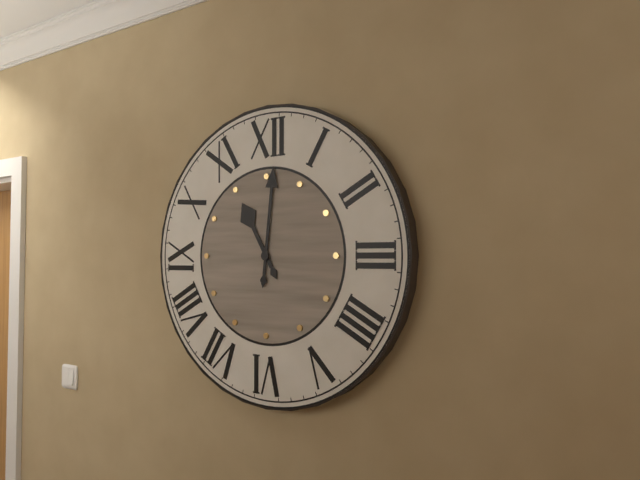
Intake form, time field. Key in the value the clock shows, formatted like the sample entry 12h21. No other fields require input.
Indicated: 11h01
